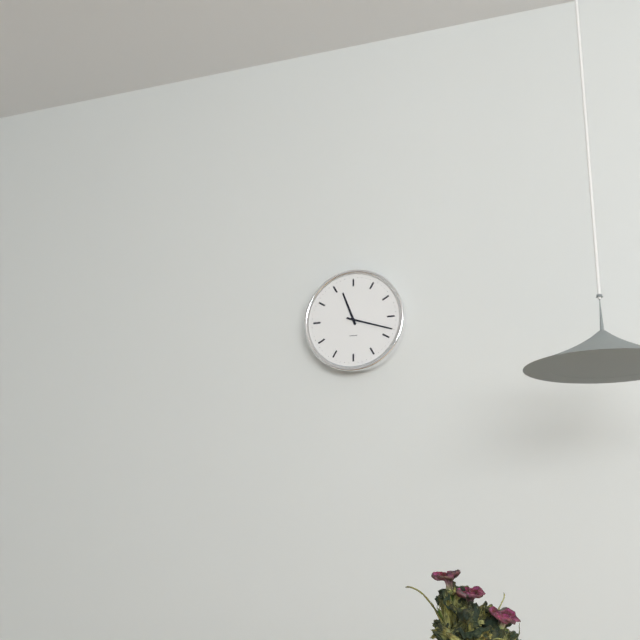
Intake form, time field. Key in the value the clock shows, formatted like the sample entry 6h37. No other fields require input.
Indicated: 11h18
